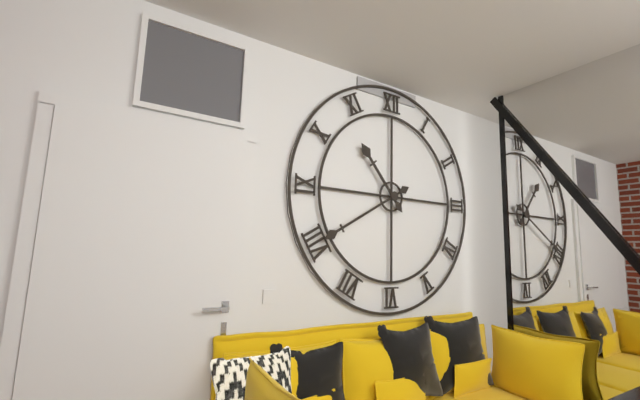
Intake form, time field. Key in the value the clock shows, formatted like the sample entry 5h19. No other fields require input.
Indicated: 10h40
